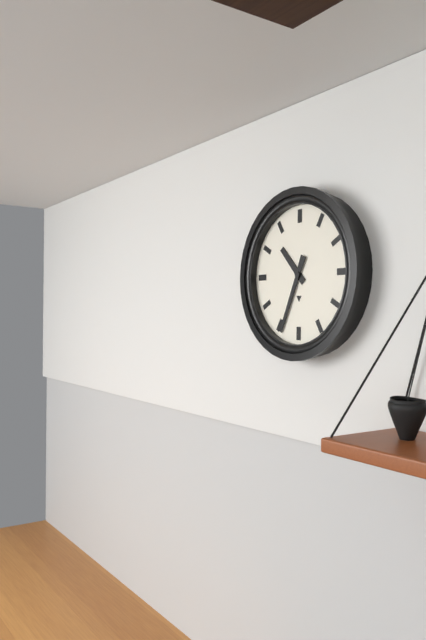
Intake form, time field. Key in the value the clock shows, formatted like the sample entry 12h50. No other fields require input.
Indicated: 10h34
